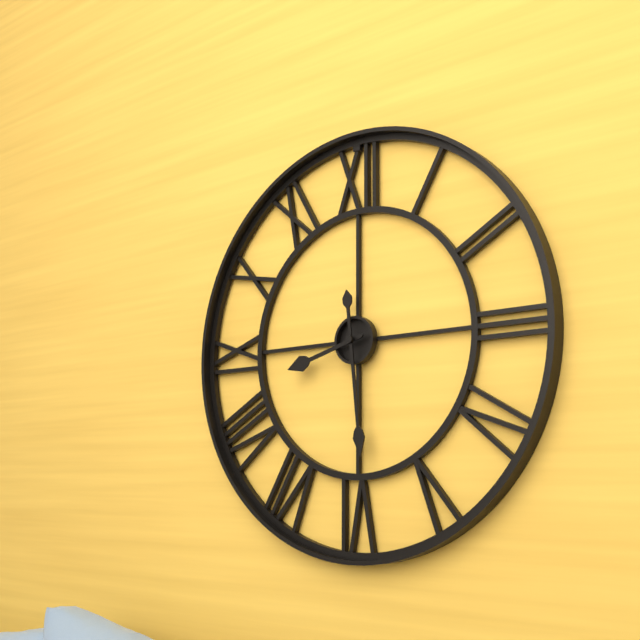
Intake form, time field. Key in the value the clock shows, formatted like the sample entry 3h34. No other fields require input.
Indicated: 8h29
